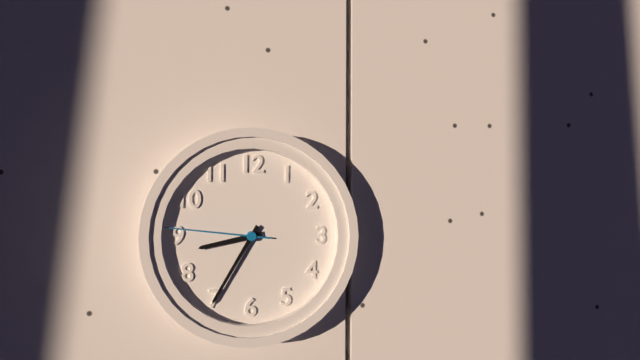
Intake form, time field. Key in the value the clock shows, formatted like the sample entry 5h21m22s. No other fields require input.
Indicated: 8h35m46s
